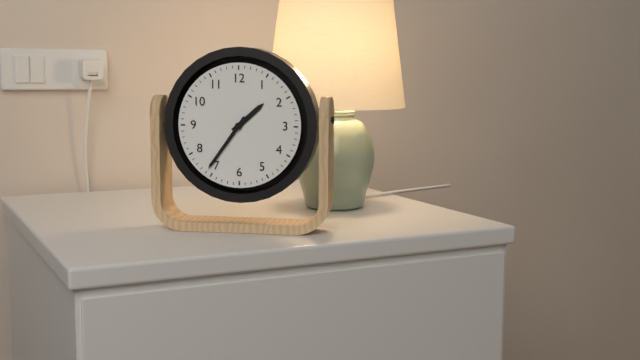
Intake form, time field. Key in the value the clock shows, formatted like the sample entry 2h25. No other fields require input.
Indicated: 1h36
